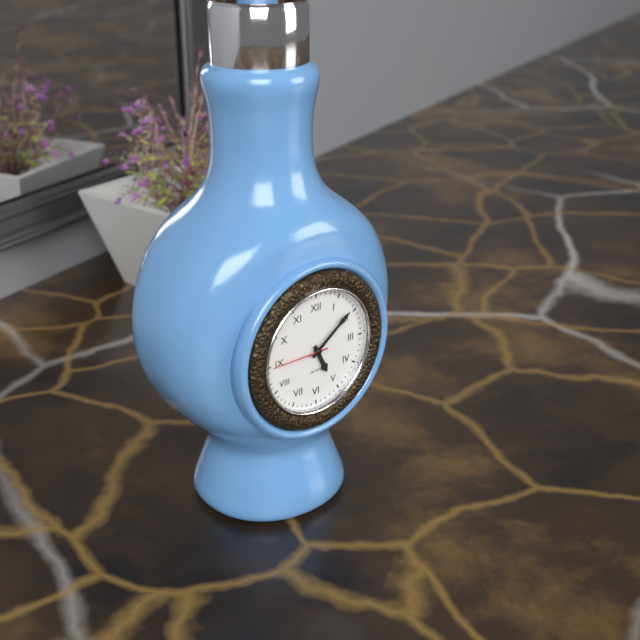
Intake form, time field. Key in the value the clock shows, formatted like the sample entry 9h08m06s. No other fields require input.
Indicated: 5h09m45s
